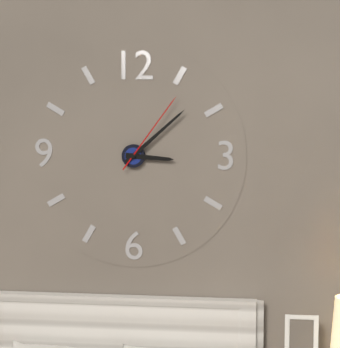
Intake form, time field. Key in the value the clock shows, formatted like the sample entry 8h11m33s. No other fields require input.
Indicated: 3h08m06s
